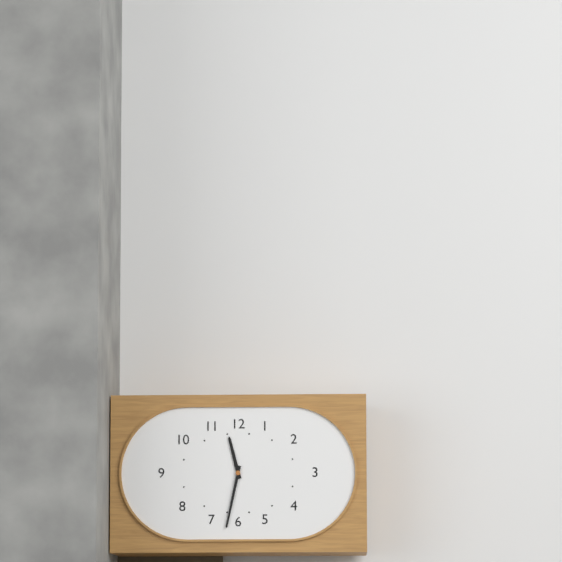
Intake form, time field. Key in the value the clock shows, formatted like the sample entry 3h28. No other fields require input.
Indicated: 11h32
